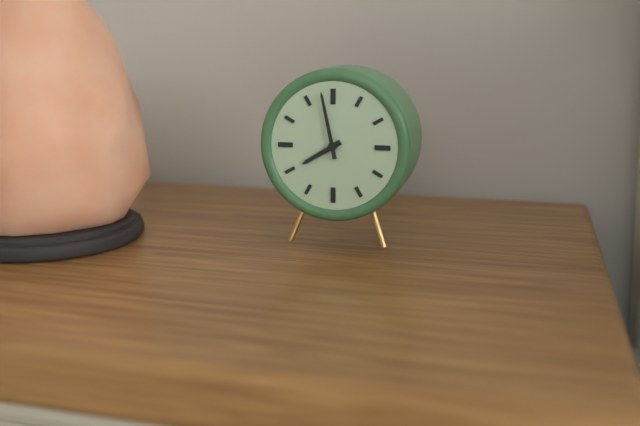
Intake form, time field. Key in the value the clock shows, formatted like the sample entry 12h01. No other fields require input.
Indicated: 7h58
